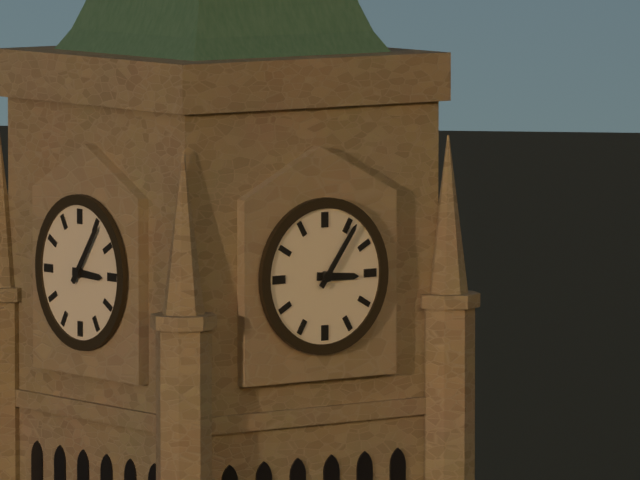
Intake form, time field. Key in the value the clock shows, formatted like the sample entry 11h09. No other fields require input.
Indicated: 3h06
